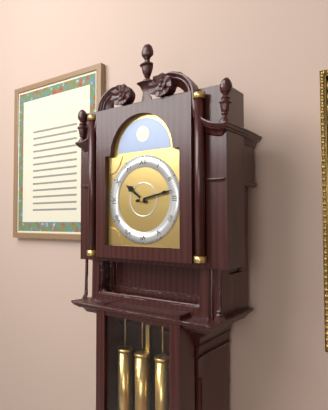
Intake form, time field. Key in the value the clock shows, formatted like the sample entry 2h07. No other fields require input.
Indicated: 10h13
